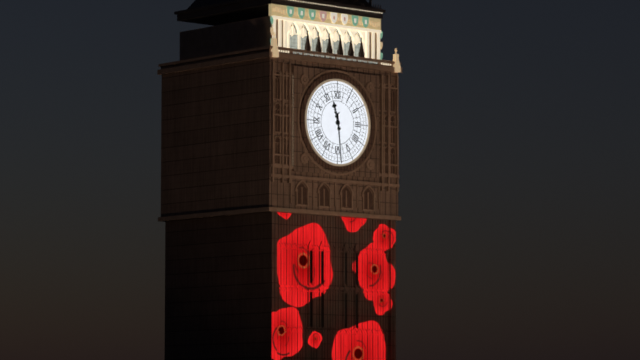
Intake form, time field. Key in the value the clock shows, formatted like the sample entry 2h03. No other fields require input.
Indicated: 11h29
